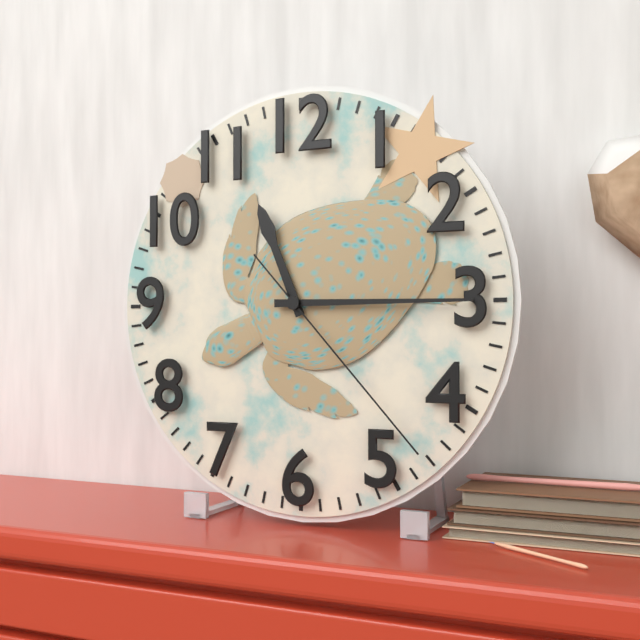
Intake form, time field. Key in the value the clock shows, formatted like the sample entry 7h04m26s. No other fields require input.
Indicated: 11h15m23s
